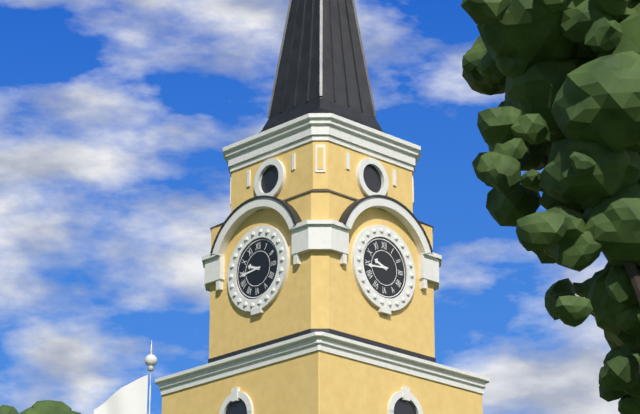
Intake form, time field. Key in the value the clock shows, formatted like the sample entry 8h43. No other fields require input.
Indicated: 9h44
